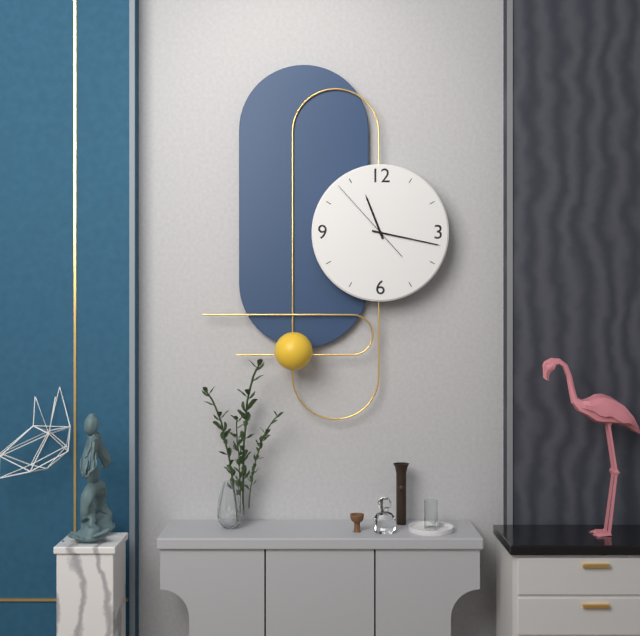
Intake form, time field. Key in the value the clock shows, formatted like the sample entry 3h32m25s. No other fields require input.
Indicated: 11h17m53s
